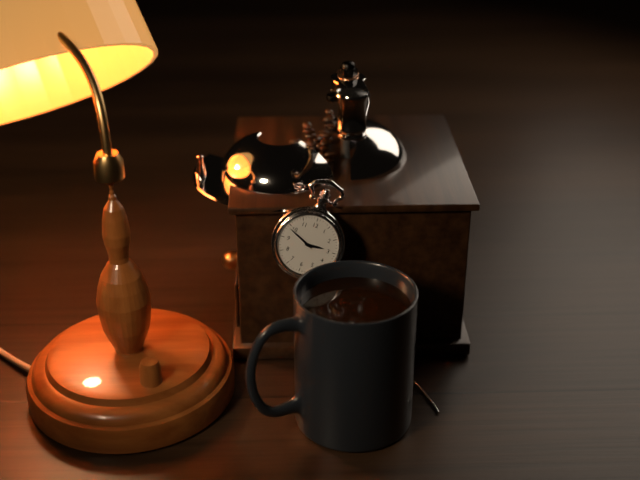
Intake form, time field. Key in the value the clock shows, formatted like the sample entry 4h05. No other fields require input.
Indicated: 2h49
